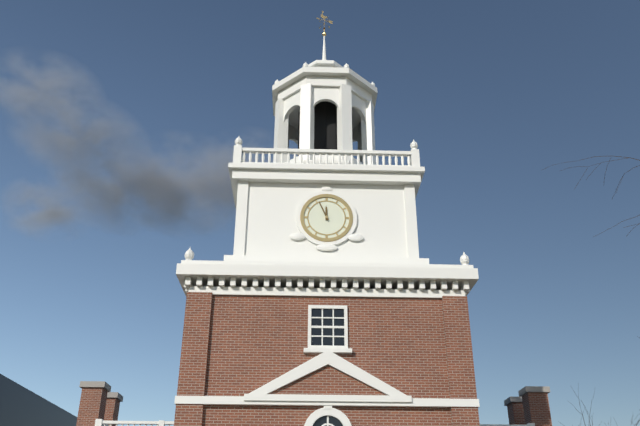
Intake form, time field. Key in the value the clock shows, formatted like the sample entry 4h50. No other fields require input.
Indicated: 11h56
